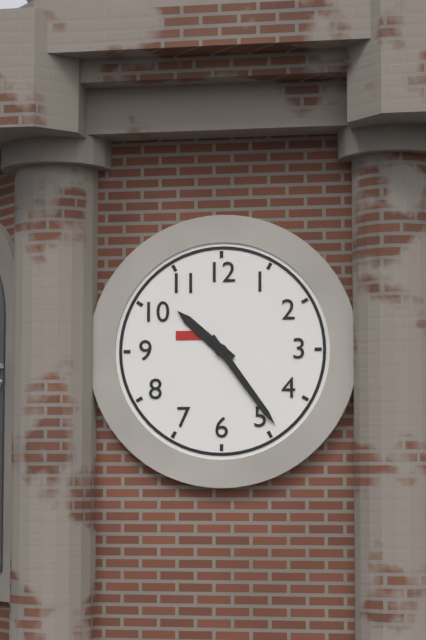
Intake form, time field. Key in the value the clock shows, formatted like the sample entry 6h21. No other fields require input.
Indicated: 10h24
